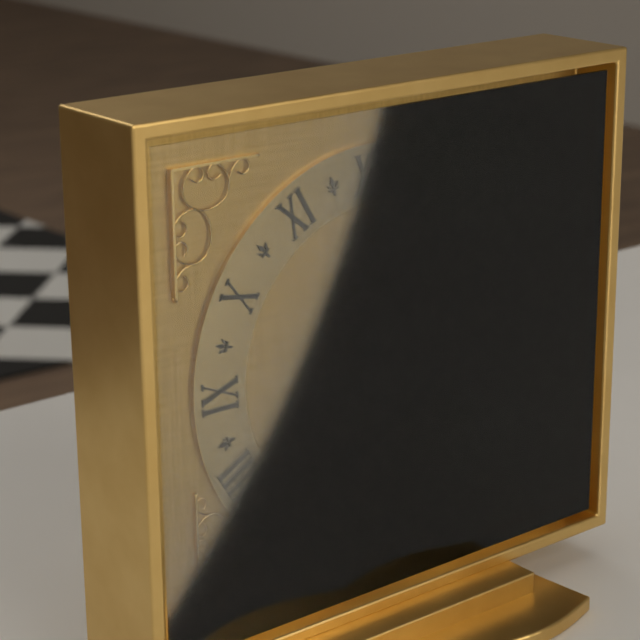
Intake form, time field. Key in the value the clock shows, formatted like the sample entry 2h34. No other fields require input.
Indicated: 5h40
